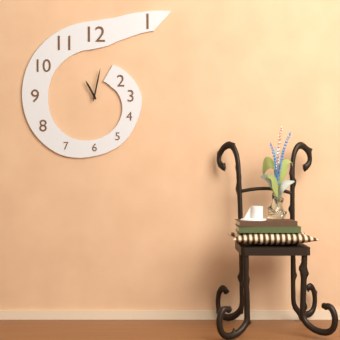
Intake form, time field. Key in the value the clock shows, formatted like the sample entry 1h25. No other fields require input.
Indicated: 11h02
